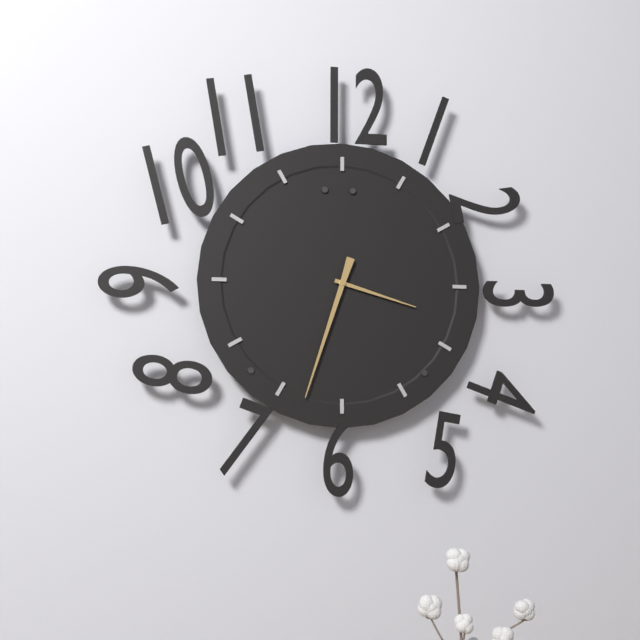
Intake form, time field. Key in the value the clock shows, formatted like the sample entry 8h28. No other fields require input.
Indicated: 3h33
